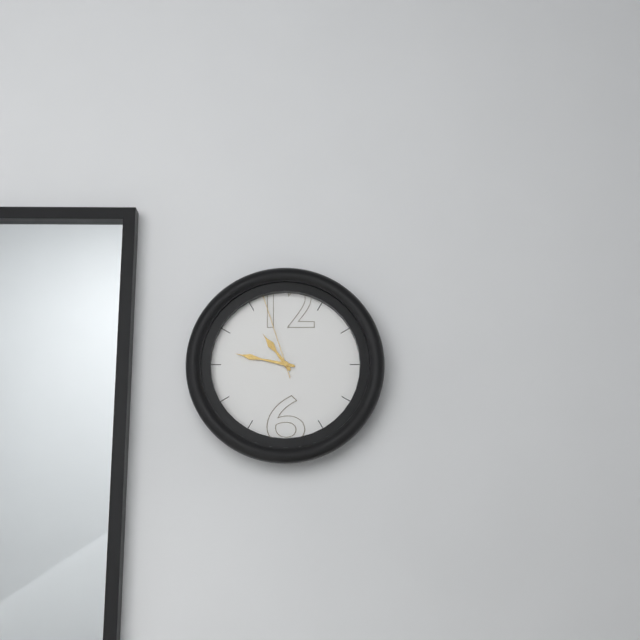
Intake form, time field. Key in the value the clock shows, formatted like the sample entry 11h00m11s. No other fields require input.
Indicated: 10h47m57s
